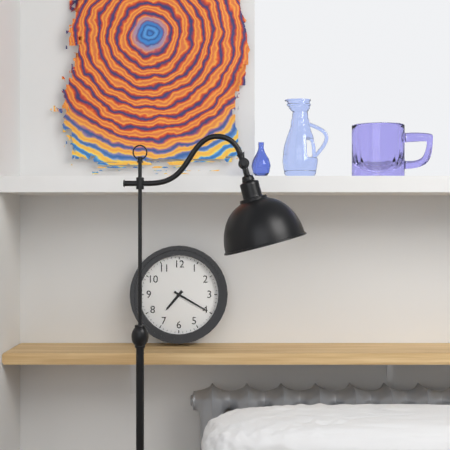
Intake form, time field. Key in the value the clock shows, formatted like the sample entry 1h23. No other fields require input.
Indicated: 7h20
